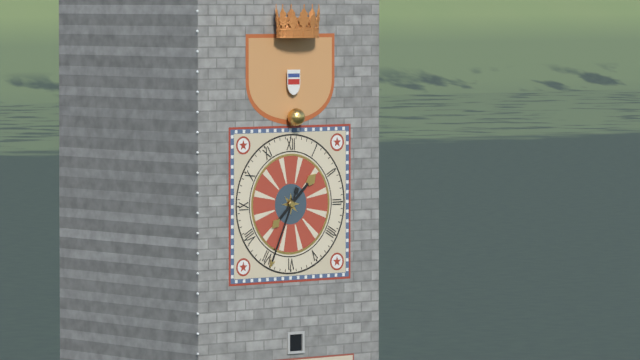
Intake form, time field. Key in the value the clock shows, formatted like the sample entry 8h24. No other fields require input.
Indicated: 1h34
